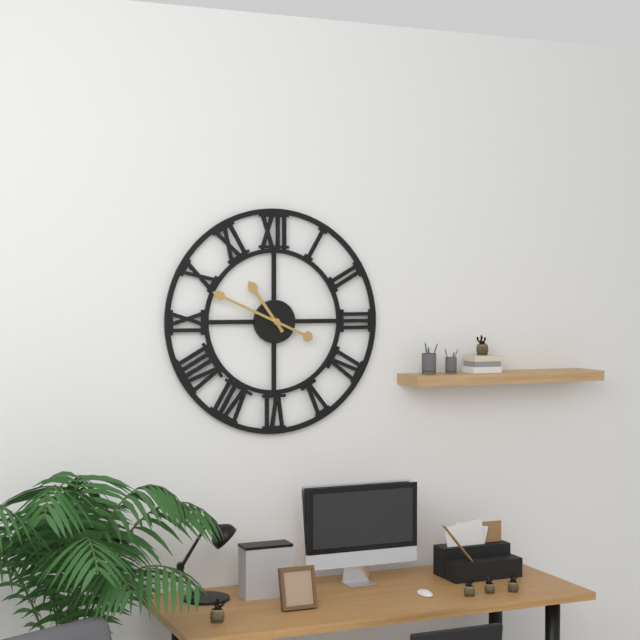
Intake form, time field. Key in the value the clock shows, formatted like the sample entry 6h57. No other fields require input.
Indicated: 10h49
